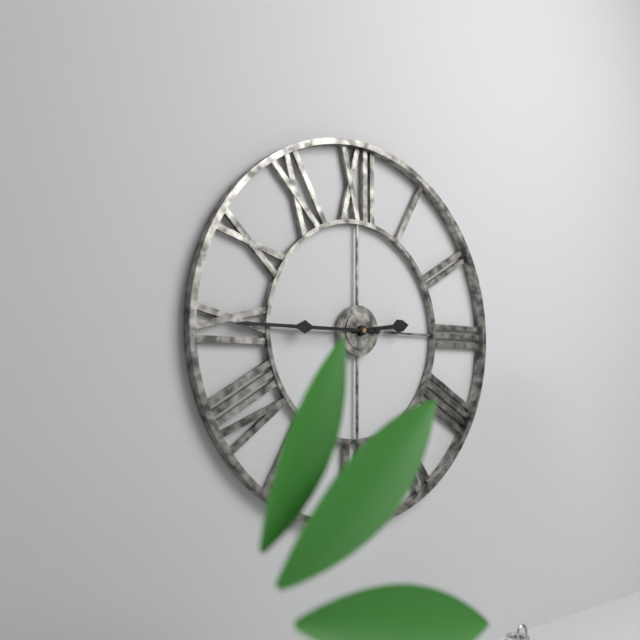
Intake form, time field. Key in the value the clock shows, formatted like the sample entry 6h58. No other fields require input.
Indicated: 2h45
